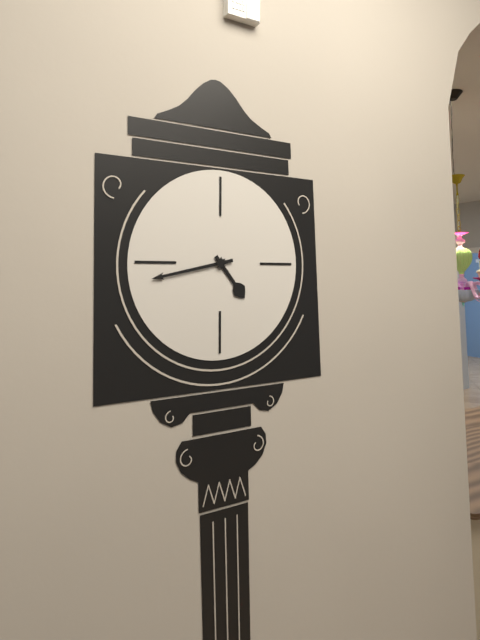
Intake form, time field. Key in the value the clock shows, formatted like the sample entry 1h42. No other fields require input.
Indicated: 4h43
